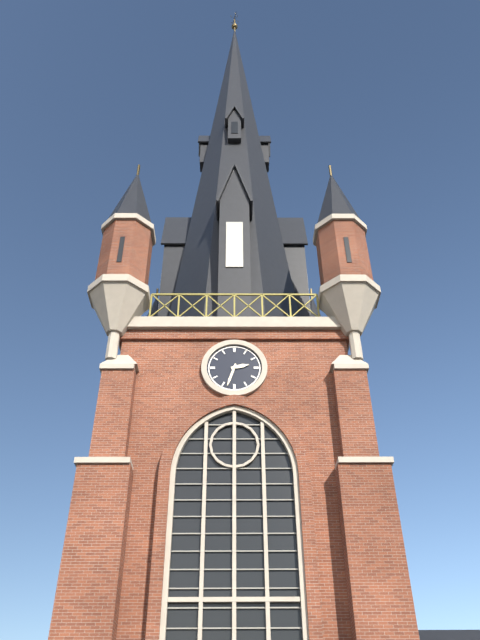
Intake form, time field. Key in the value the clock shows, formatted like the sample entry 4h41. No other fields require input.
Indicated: 2h33
